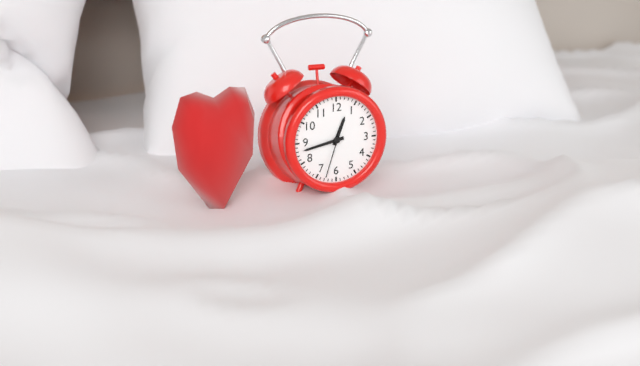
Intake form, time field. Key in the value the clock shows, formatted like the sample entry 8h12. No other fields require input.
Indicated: 12h43
